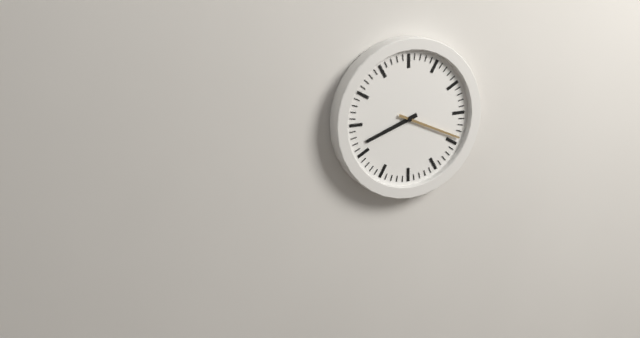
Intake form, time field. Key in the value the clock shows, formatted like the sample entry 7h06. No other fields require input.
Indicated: 8h19
